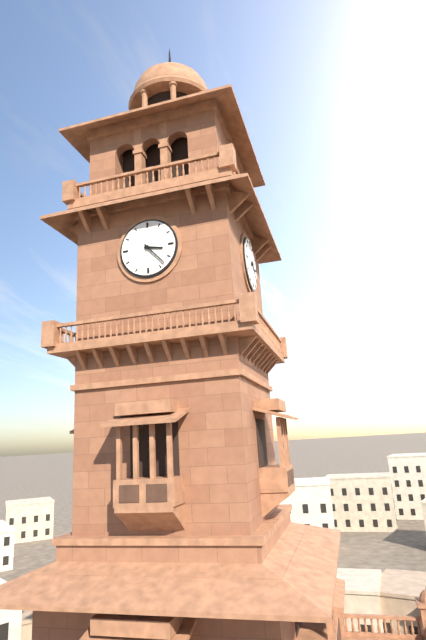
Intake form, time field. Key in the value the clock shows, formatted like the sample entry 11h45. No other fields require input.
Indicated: 3h23
